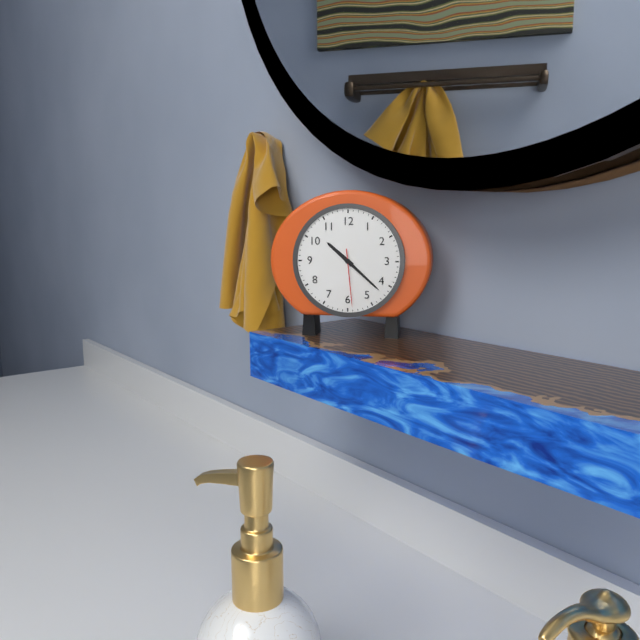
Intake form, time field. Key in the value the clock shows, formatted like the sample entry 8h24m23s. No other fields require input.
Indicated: 10h22m29s
